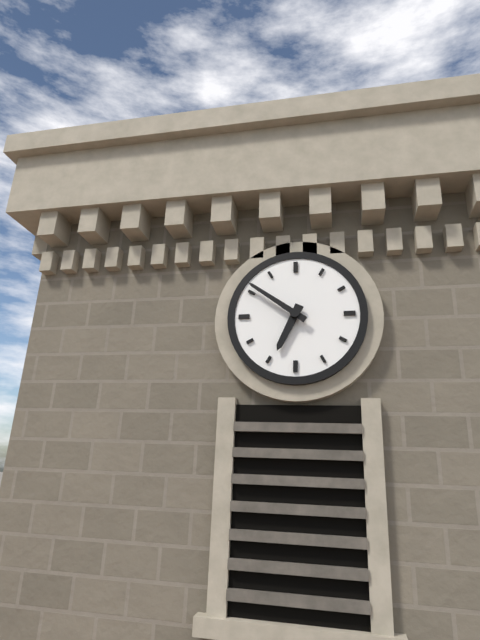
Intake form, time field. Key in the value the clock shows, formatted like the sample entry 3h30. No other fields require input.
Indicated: 6h51
